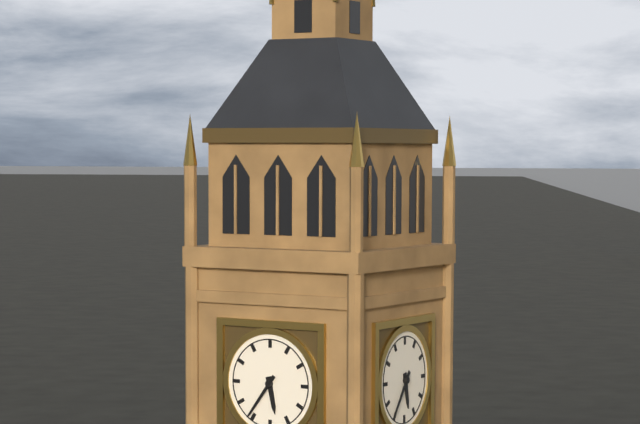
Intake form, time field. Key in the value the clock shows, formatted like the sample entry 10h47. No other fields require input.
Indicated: 5h36
